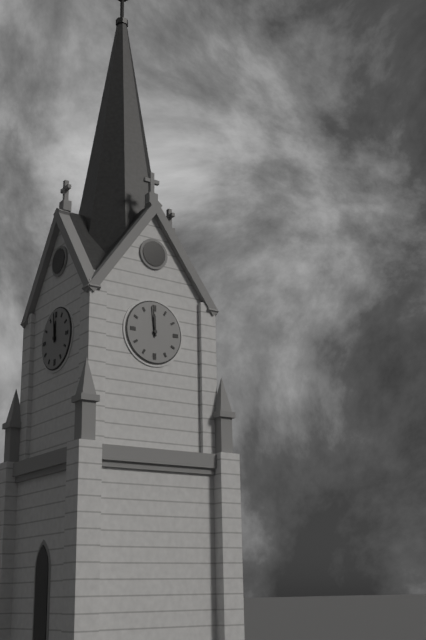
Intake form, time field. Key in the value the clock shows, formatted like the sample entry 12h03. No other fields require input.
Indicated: 11h59
